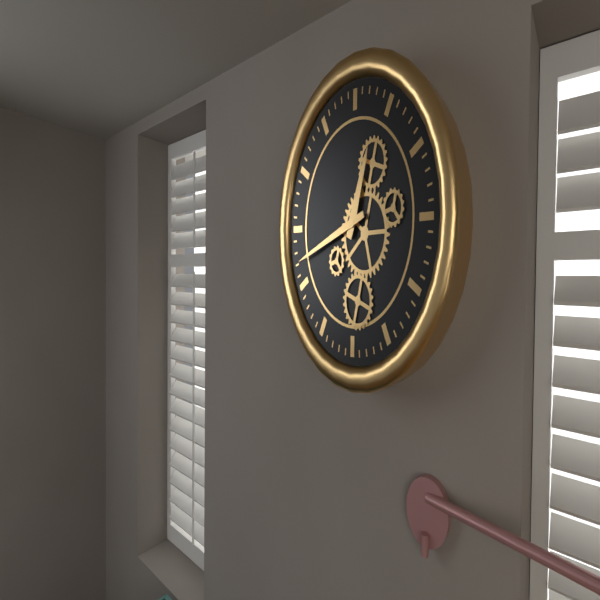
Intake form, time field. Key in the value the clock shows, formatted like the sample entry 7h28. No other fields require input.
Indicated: 12h42
